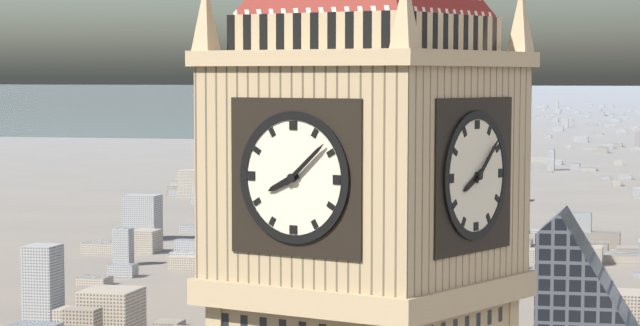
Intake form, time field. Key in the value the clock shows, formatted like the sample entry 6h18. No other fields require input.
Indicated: 8h08
